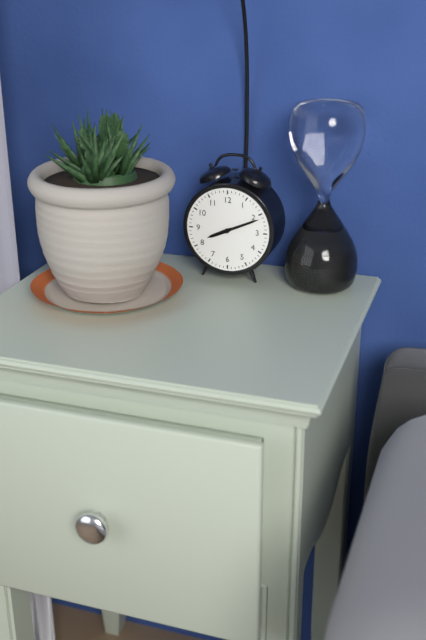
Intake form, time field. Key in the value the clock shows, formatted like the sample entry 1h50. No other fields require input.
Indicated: 8h11
